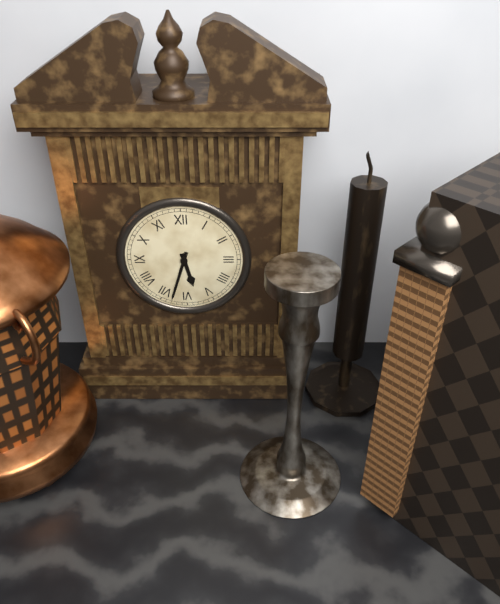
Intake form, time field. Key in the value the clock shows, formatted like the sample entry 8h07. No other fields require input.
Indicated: 5h33
